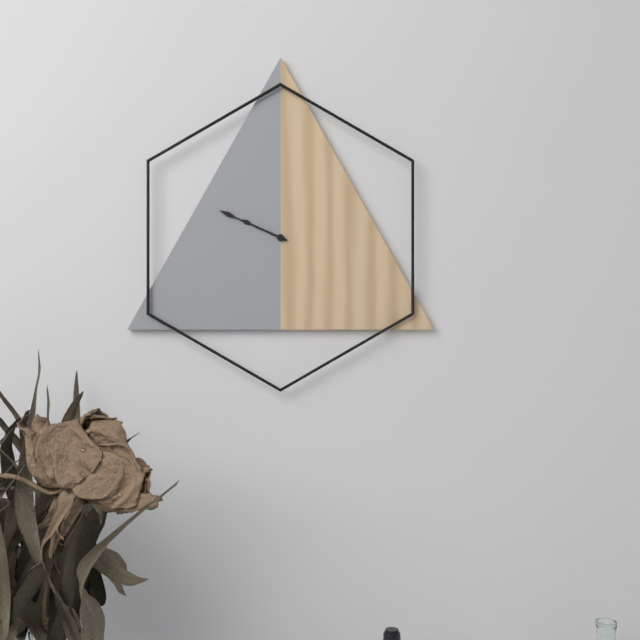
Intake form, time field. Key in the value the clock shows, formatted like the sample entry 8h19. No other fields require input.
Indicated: 9h49
